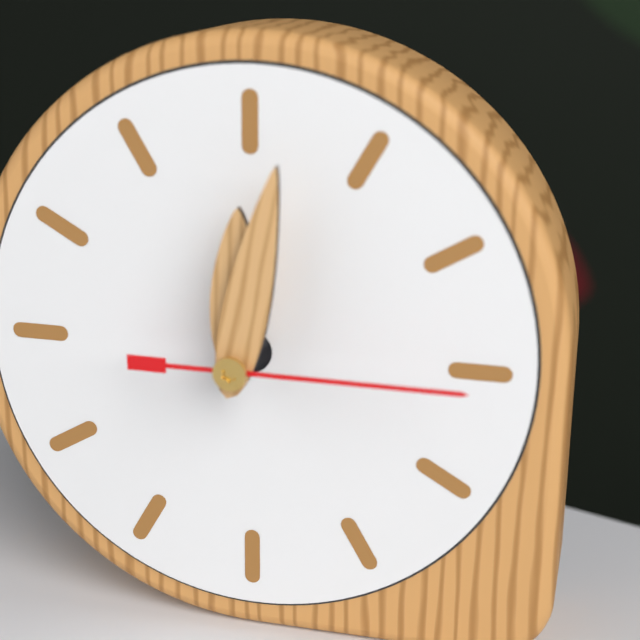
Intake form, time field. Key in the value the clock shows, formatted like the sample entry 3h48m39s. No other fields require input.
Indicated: 12h02m15s
